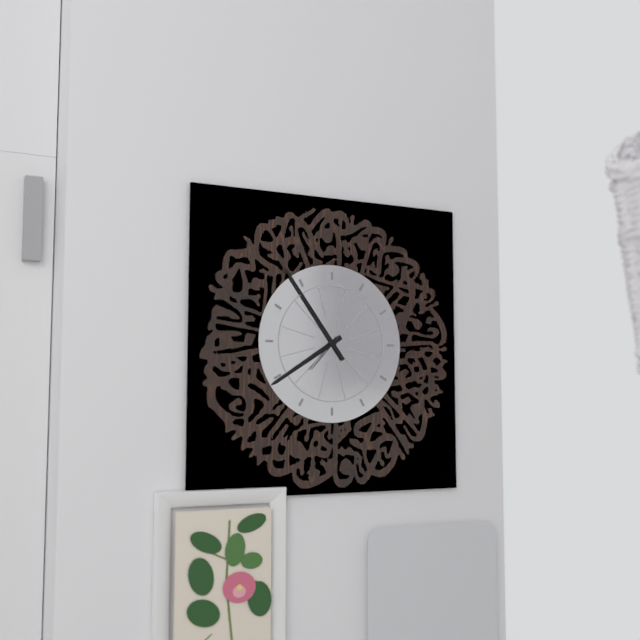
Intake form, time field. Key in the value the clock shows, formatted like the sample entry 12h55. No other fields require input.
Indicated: 7h54
